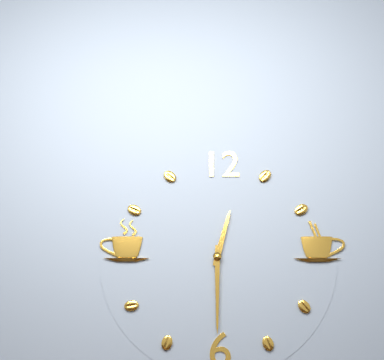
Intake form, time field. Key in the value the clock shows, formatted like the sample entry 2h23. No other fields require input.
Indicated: 12h30
